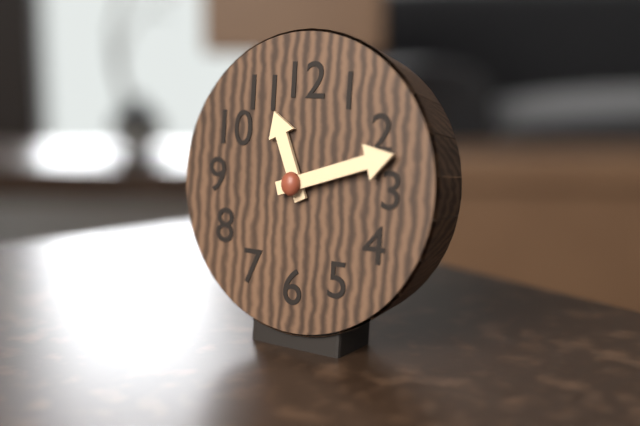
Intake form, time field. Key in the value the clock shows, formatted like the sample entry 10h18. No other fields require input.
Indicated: 11h12
